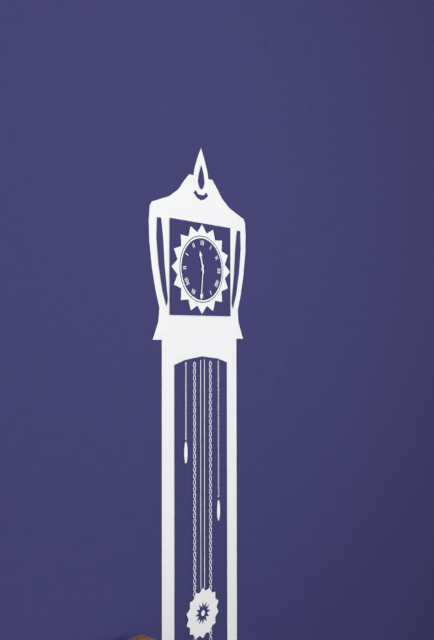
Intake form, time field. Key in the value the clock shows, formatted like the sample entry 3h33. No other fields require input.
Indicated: 11h31
